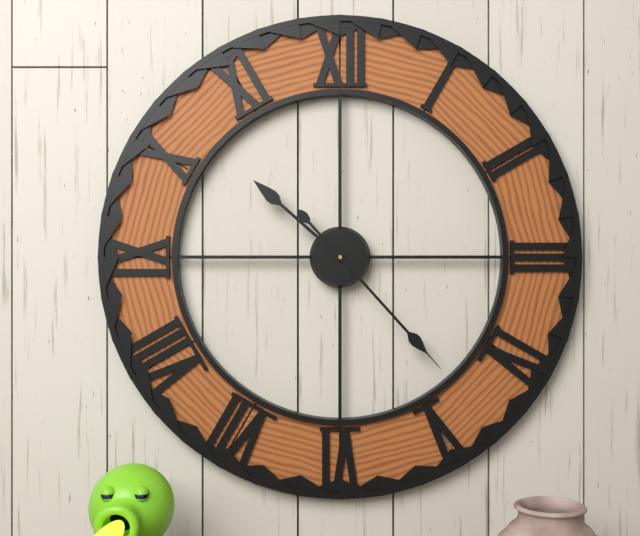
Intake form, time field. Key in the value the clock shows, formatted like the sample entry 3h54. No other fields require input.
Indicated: 10h23
